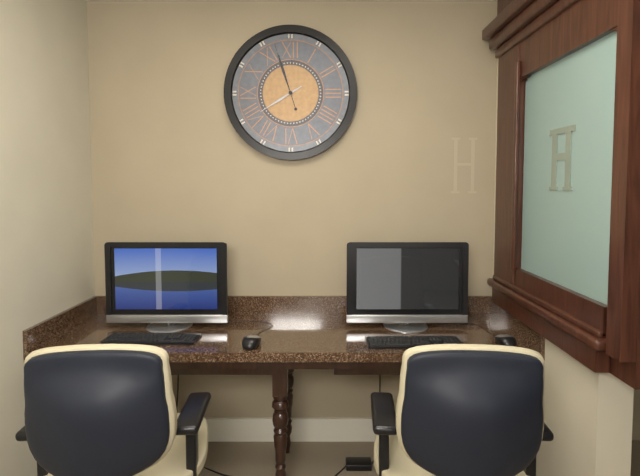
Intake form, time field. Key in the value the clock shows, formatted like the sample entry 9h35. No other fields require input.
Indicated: 7h57
